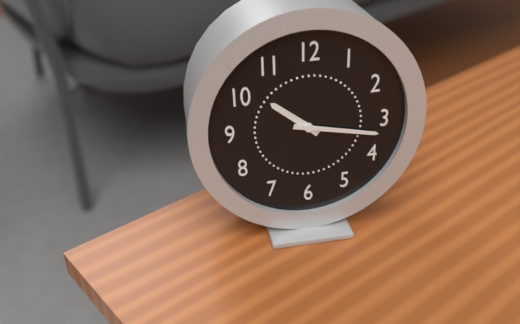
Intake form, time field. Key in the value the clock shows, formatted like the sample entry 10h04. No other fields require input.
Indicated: 10h17
